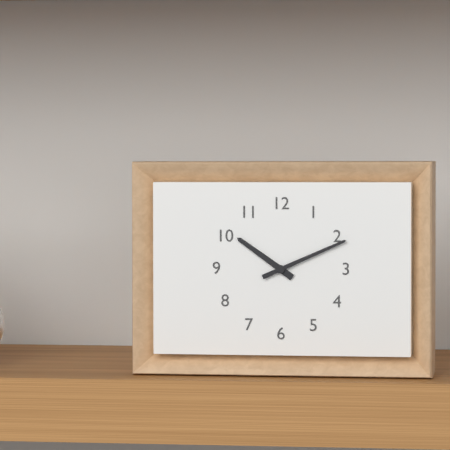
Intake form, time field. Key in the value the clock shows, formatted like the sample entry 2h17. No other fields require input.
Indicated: 10h11
